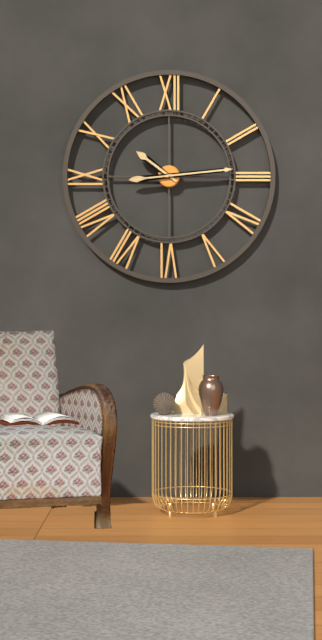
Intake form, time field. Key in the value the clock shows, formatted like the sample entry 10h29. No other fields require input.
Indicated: 10h14
